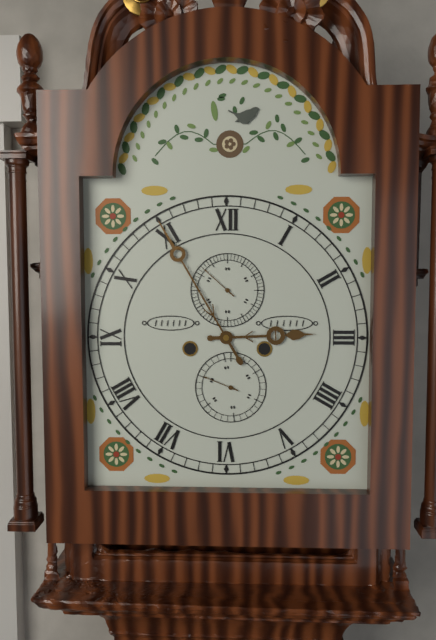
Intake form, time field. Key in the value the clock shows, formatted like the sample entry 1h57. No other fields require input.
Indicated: 2h55
